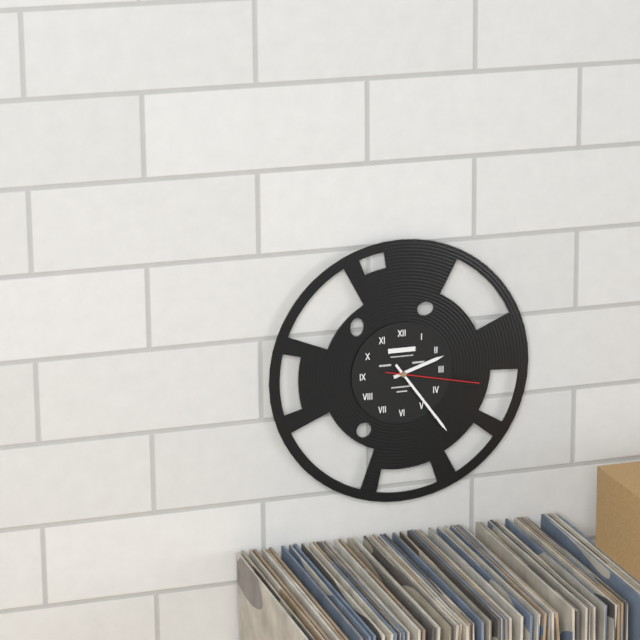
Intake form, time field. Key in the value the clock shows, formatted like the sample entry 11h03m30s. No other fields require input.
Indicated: 2h24m17s
